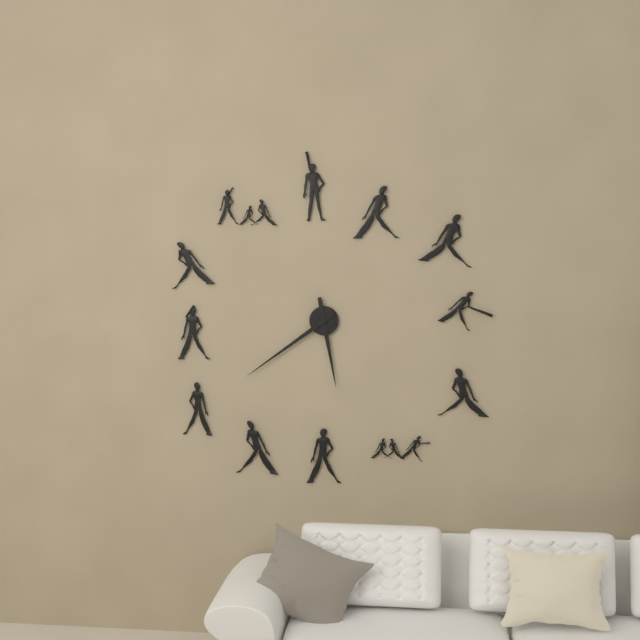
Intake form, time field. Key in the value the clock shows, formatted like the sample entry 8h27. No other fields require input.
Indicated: 5h39
